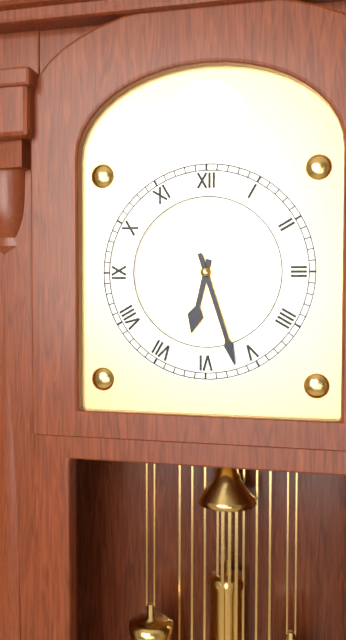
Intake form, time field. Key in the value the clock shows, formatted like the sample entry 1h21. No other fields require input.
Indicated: 6h27
